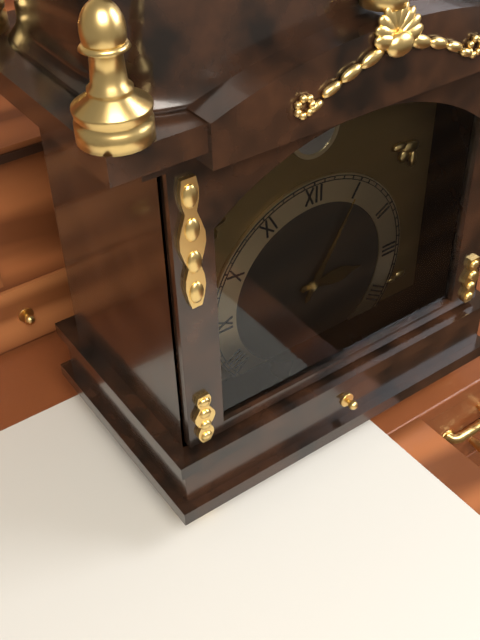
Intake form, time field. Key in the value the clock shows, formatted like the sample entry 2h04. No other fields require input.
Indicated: 3h05
